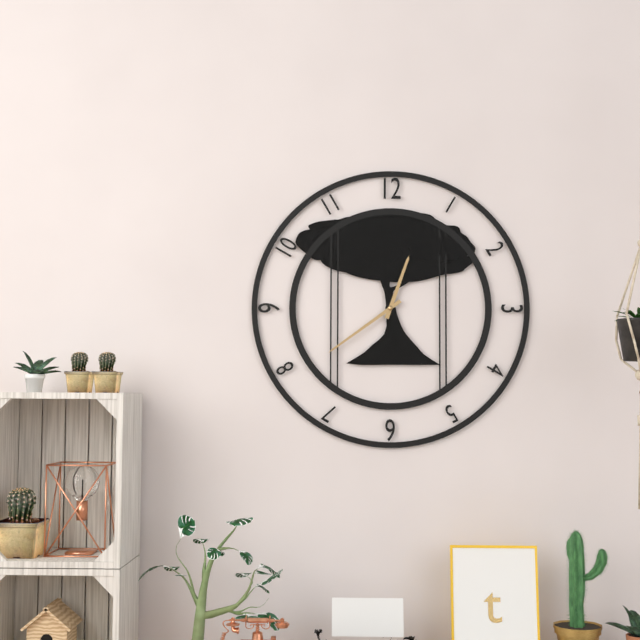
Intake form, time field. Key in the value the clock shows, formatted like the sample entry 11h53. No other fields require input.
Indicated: 12h39
